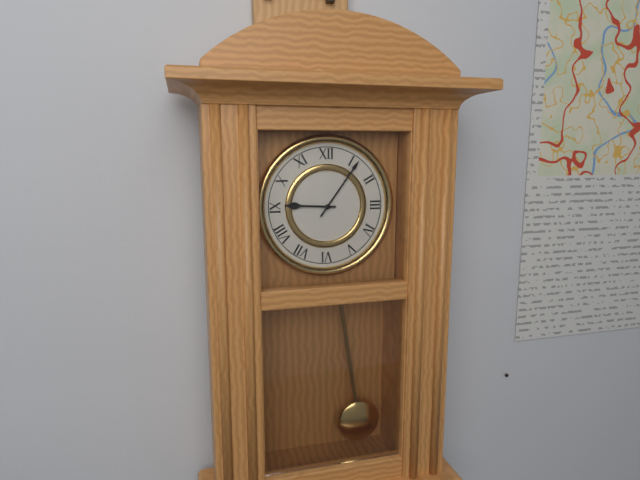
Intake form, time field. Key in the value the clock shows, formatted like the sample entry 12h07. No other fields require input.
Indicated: 9h06
